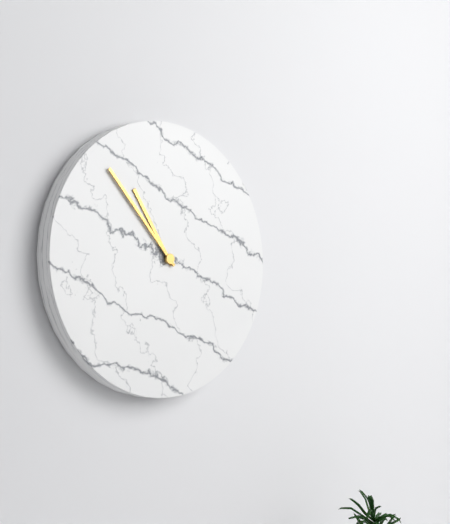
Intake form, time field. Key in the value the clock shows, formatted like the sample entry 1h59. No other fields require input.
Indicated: 10h53
